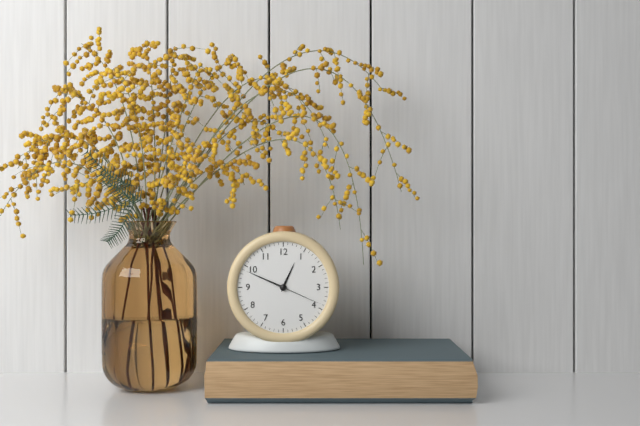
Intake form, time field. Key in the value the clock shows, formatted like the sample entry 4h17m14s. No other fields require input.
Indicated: 12h49m19s
